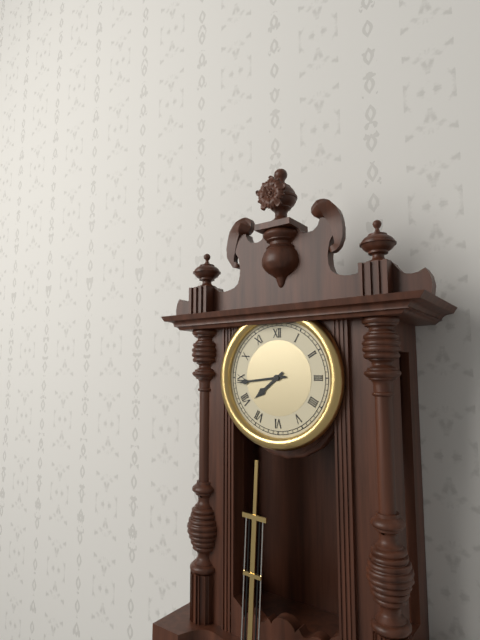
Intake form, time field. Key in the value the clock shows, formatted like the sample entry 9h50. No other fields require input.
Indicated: 7h44
